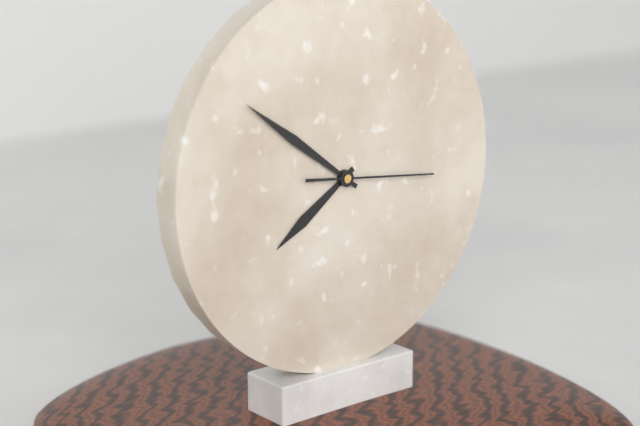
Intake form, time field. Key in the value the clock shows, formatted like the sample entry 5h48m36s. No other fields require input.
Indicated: 7h51m16s
